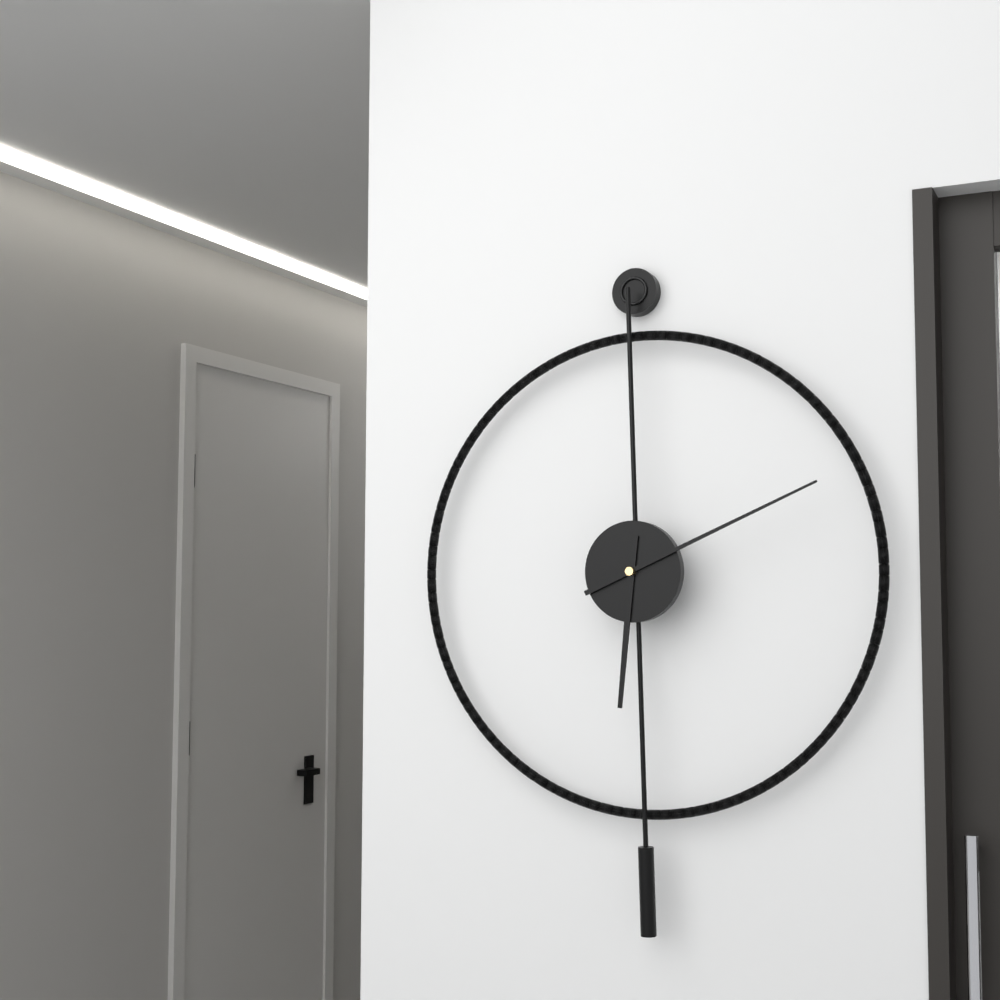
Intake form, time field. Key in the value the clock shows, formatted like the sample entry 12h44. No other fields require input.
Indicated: 6h11
